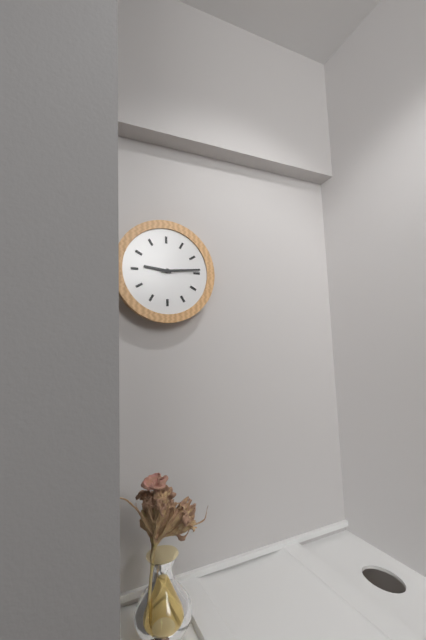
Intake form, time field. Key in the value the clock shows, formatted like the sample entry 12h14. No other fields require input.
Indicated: 9h14
